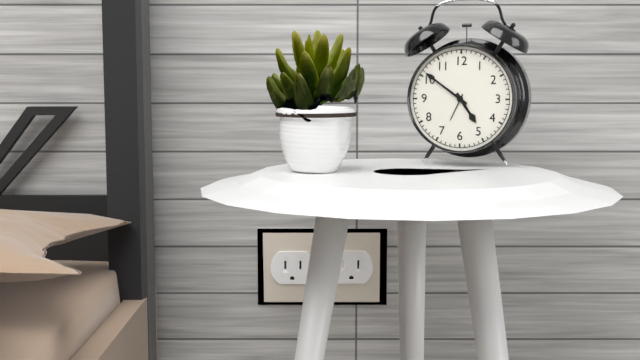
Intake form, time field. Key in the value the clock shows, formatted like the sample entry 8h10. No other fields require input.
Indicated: 4h51
